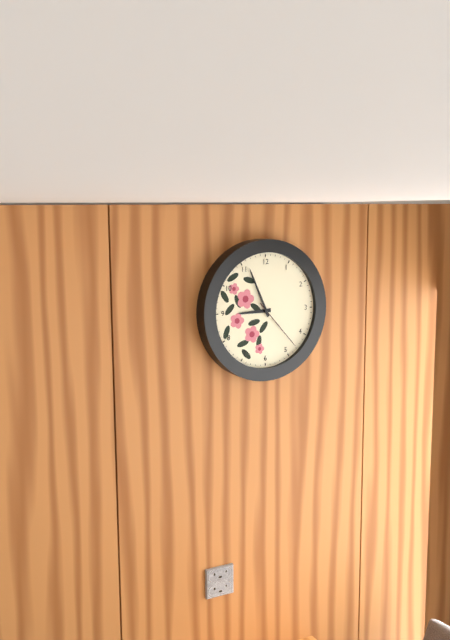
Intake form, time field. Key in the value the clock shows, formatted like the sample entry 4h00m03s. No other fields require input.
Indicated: 8h56m23s
